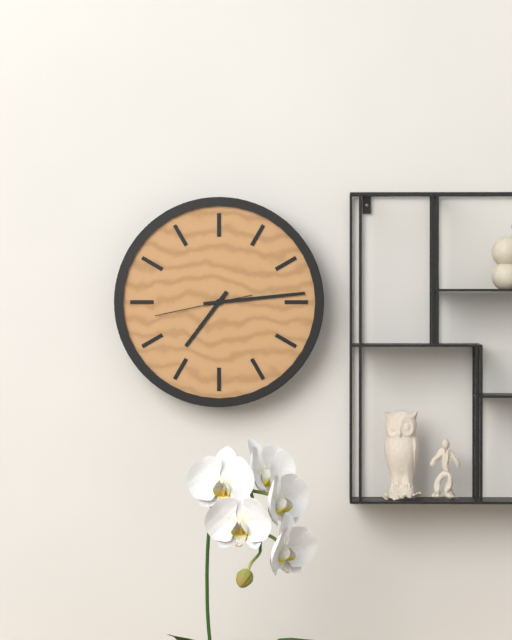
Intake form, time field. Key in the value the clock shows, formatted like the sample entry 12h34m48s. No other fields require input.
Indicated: 7h14m43s
